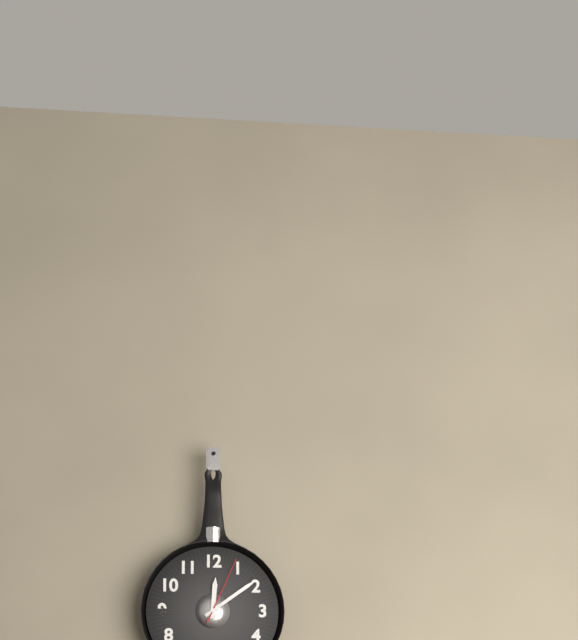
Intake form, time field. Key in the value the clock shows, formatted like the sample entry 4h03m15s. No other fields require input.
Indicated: 12h09m04s
